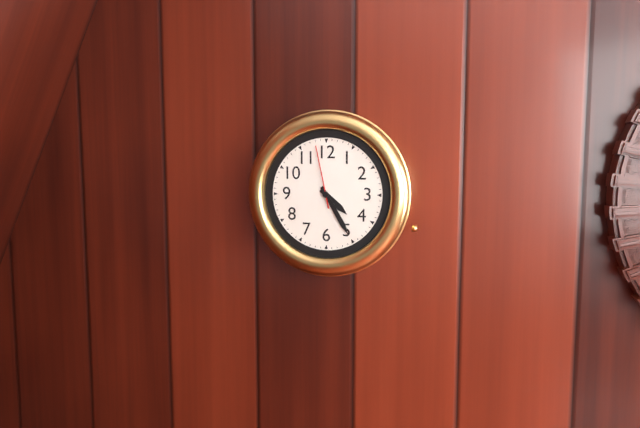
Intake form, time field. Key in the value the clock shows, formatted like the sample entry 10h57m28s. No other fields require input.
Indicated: 4h25m58s
